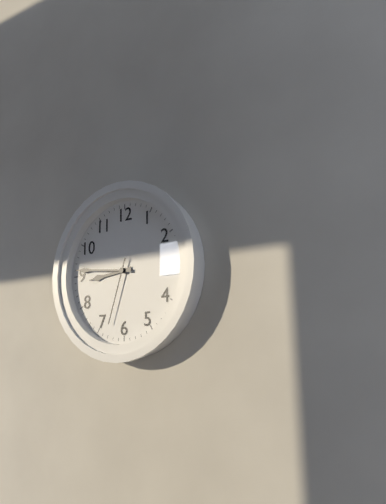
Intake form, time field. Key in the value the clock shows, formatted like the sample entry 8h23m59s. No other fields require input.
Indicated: 8h46m33s
